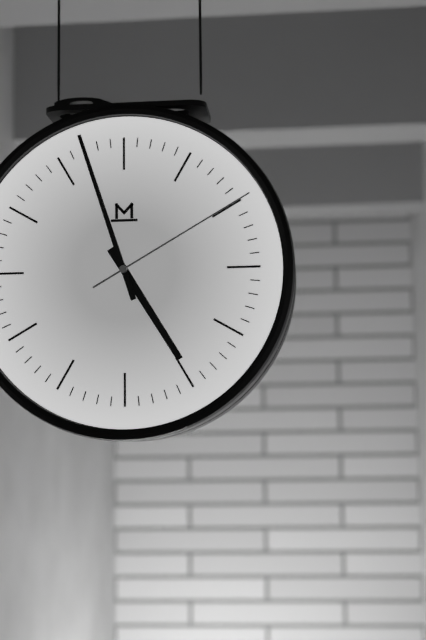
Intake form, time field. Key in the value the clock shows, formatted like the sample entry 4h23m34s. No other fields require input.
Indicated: 4h57m10s
